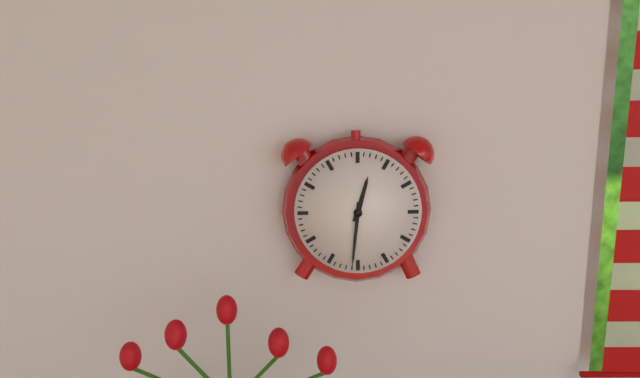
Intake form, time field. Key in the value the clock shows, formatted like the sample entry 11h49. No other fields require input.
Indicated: 12h31
